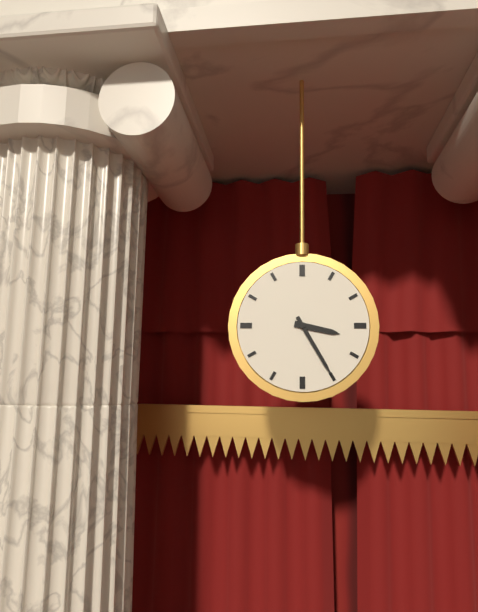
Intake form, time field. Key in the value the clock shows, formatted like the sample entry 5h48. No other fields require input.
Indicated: 3h25
